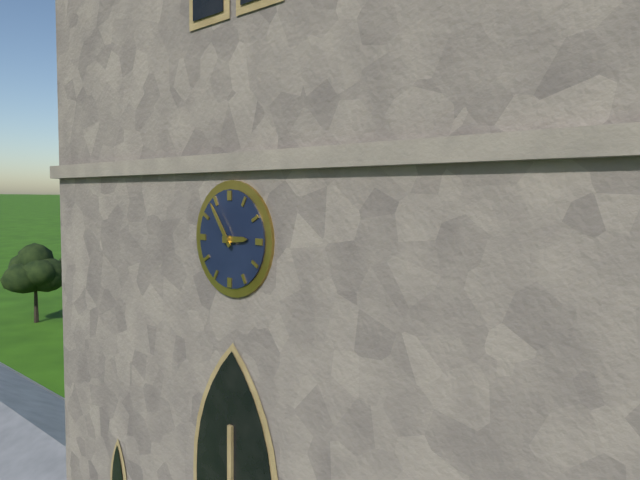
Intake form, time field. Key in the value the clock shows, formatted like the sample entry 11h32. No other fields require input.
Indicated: 2h54
